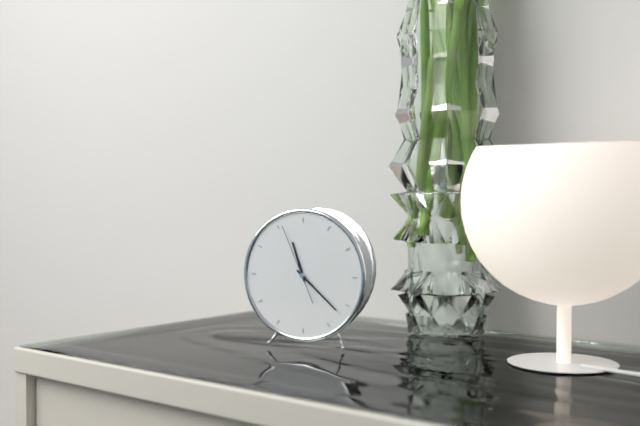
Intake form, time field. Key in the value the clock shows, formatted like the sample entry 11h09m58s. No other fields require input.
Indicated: 11h22m56s
